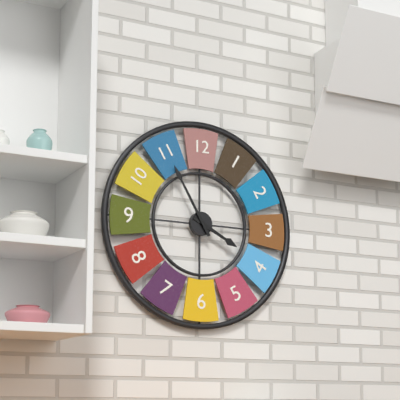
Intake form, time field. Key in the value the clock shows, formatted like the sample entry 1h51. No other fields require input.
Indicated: 3h55
